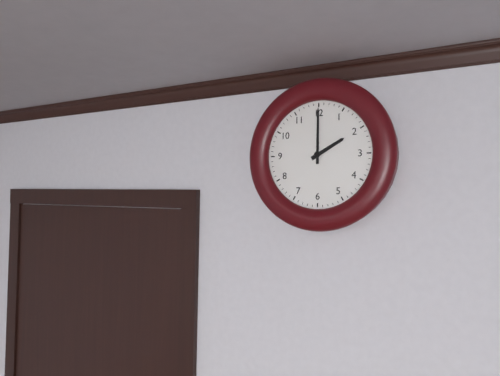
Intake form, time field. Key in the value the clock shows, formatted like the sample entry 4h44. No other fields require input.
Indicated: 2h00
